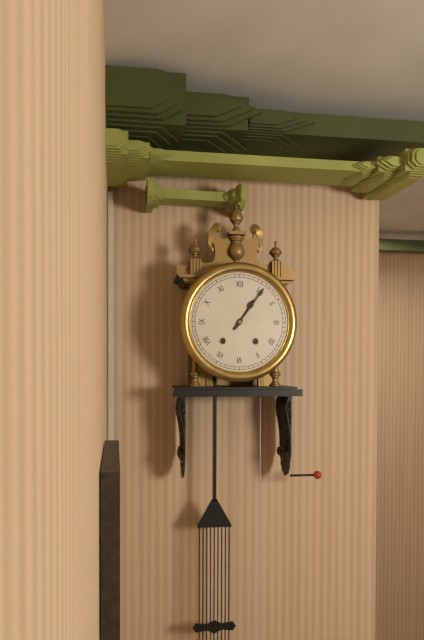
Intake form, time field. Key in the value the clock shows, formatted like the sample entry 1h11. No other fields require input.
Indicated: 1h06
